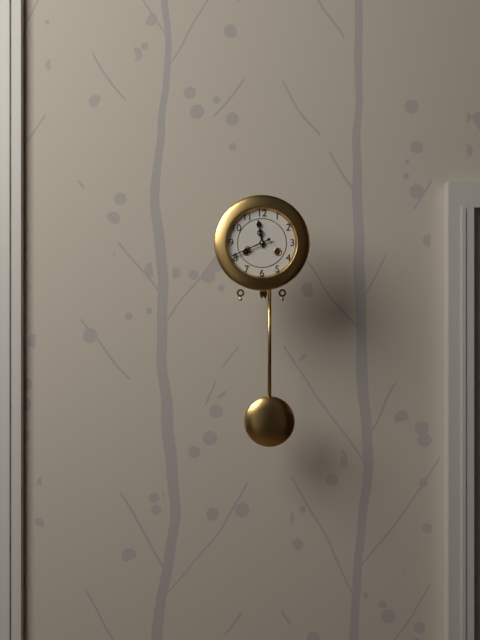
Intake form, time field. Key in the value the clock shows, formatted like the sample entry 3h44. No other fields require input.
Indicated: 11h41
